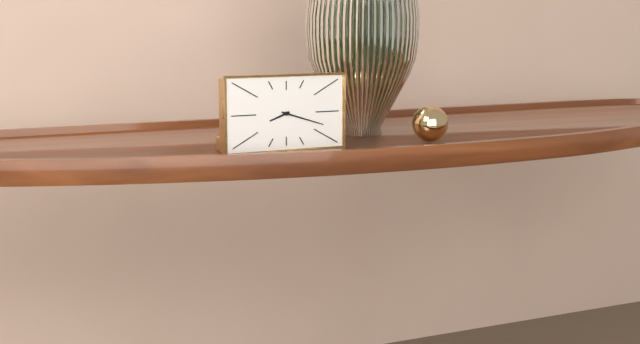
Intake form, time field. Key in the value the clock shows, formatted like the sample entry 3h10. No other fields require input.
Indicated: 8h18
